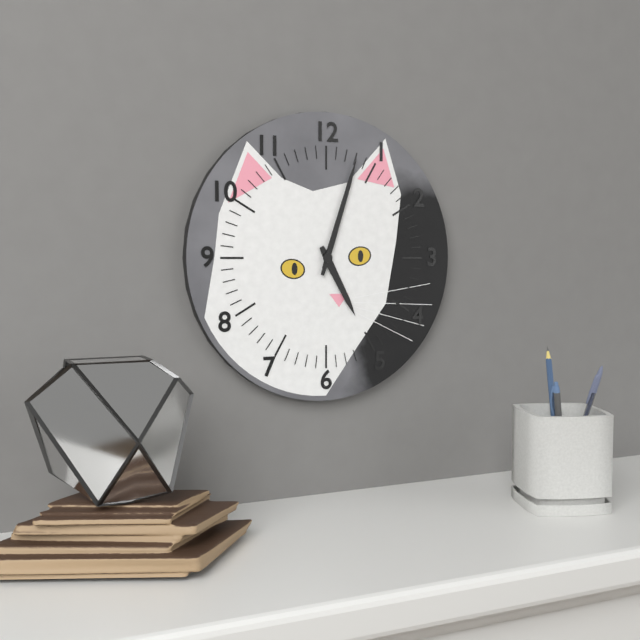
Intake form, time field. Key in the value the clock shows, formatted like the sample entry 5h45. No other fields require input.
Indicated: 5h03
